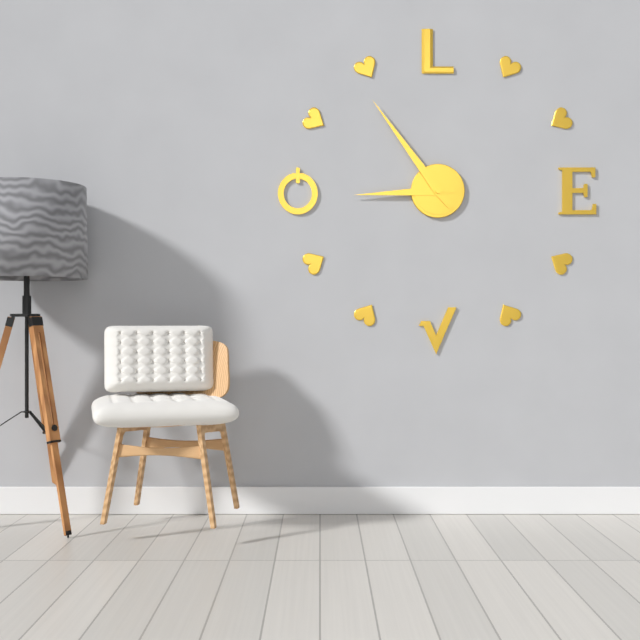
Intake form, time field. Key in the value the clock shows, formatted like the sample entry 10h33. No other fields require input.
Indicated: 8h54
